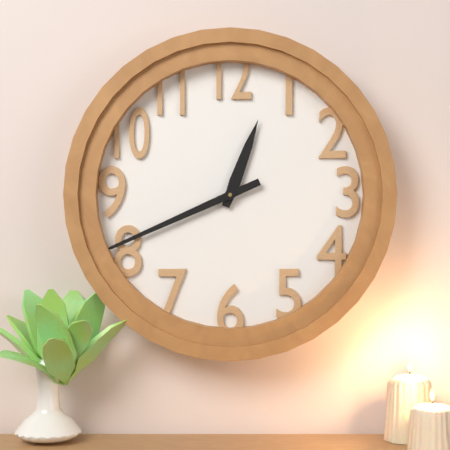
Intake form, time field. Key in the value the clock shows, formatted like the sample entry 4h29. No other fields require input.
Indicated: 12h41
